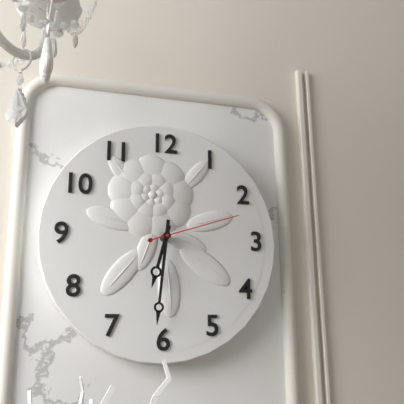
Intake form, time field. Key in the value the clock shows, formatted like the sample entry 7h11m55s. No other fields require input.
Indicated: 6h31m12s
